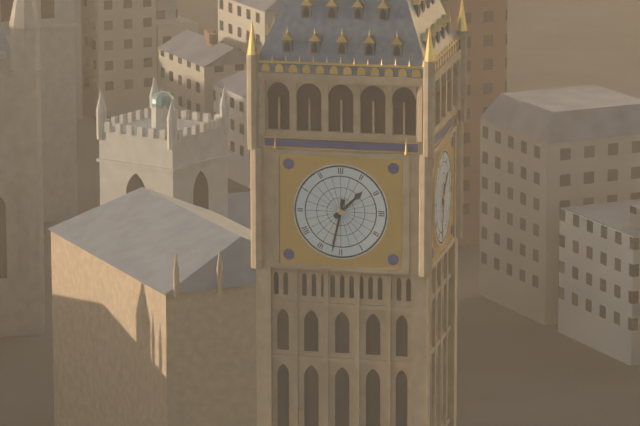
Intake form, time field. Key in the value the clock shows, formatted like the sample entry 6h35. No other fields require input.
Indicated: 1h32
